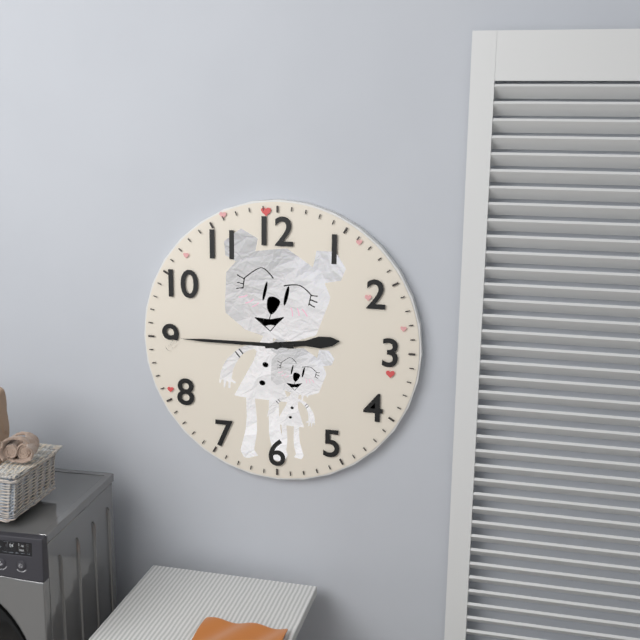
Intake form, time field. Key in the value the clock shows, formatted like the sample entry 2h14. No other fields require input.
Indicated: 2h45
